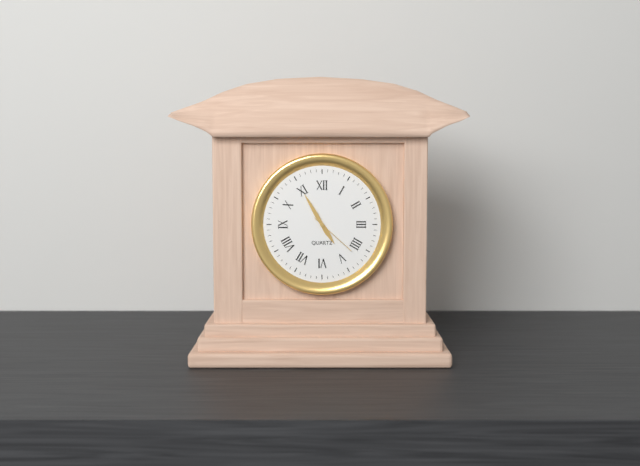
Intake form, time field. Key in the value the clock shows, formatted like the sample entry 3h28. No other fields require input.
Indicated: 4h55
